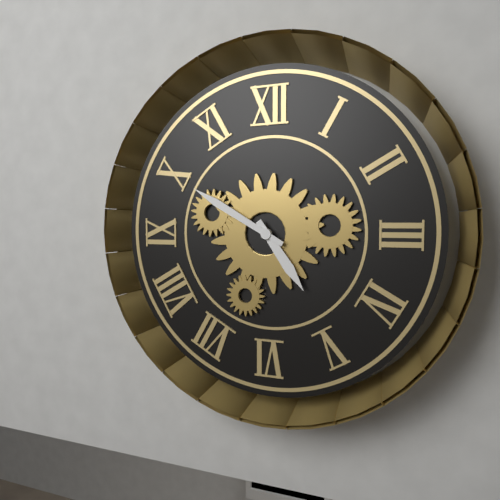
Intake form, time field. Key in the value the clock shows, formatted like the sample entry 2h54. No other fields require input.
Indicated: 4h50
